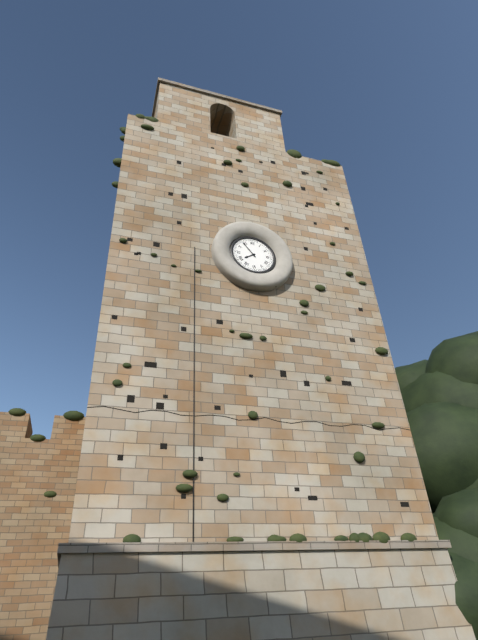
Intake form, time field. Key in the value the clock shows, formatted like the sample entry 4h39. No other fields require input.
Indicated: 7h54
